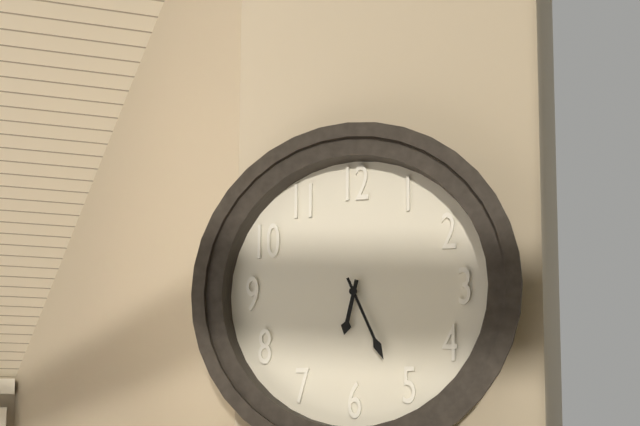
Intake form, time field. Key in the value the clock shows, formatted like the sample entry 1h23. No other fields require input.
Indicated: 6h26
